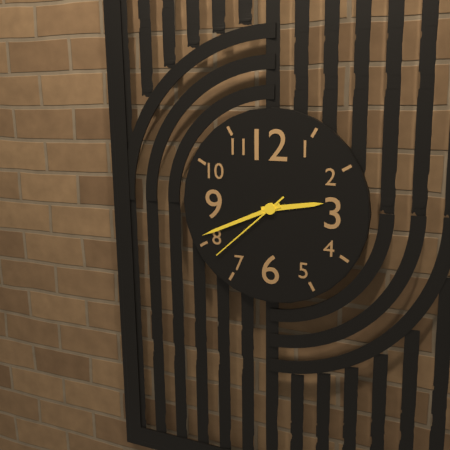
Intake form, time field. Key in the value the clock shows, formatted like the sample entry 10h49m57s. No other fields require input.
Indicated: 2h41m38s
